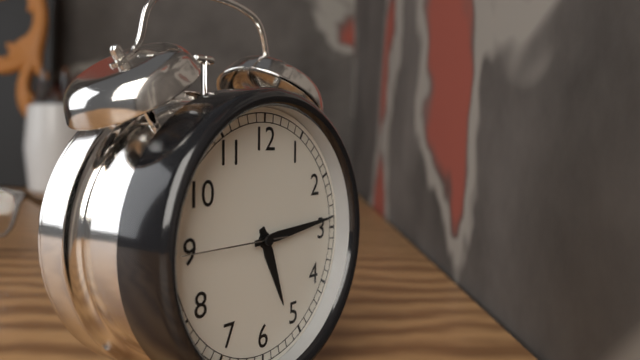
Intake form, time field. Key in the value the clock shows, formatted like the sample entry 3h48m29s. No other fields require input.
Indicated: 5h14m45s
